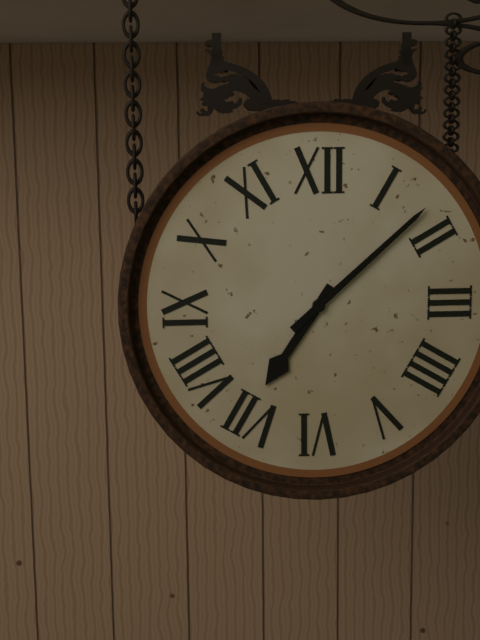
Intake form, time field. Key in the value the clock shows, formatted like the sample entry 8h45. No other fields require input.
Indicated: 7h08
